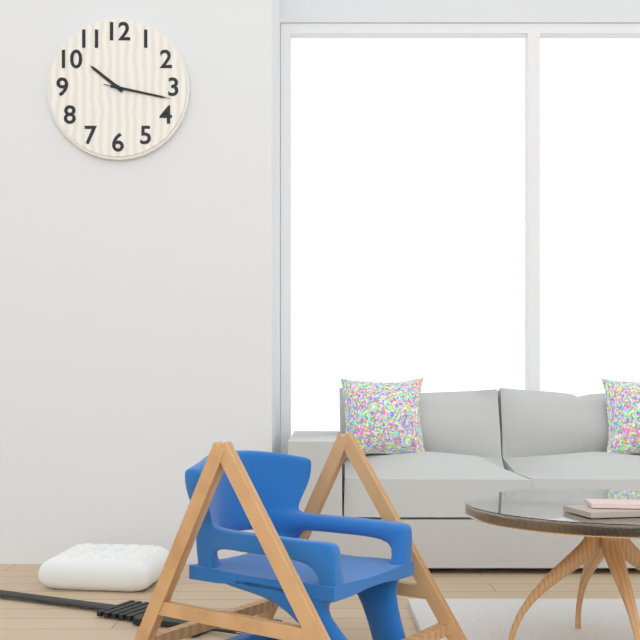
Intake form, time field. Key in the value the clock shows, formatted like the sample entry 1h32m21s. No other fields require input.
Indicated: 10h17m17s
